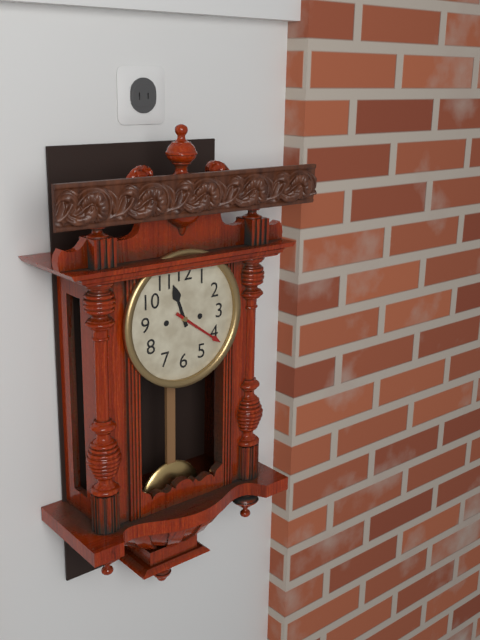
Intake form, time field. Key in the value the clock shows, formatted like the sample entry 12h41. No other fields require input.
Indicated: 11h21
